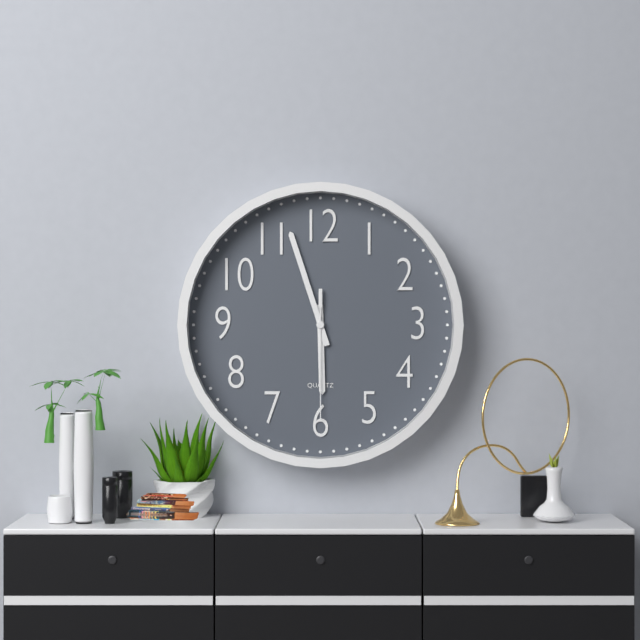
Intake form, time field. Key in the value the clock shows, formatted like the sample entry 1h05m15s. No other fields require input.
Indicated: 5h57m30s
